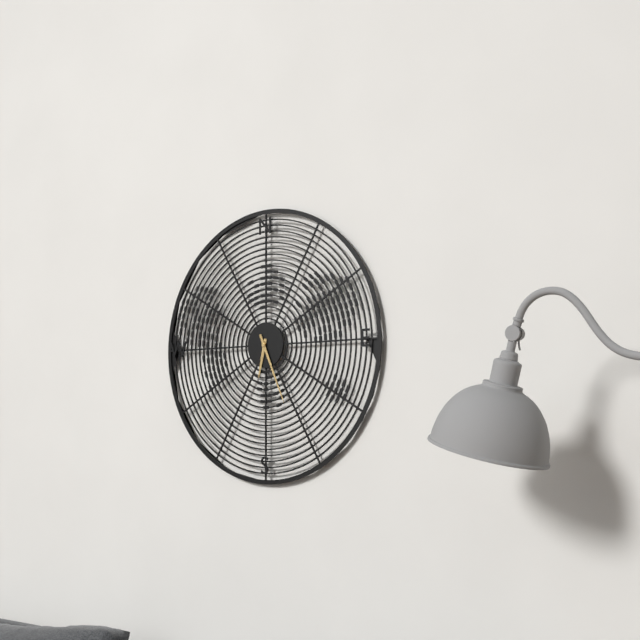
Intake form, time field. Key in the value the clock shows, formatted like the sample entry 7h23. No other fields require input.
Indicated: 6h26
